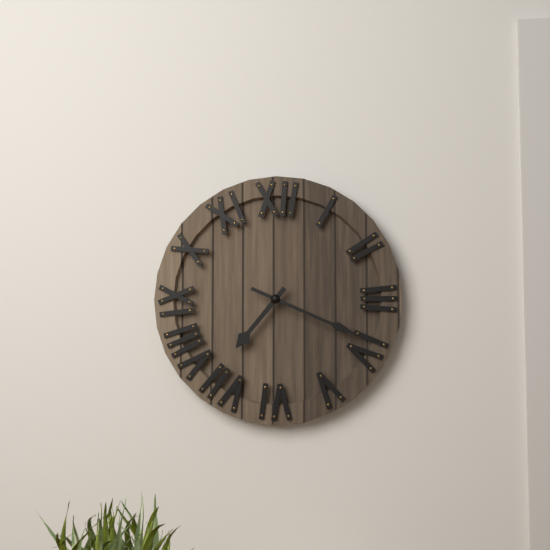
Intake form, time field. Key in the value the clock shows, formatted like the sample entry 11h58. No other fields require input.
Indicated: 7h19
